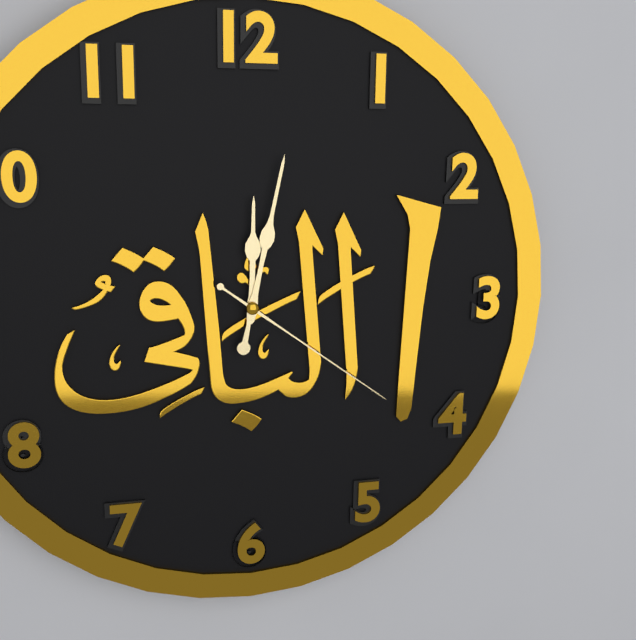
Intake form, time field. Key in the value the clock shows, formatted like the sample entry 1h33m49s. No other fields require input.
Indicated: 12h02m21s
